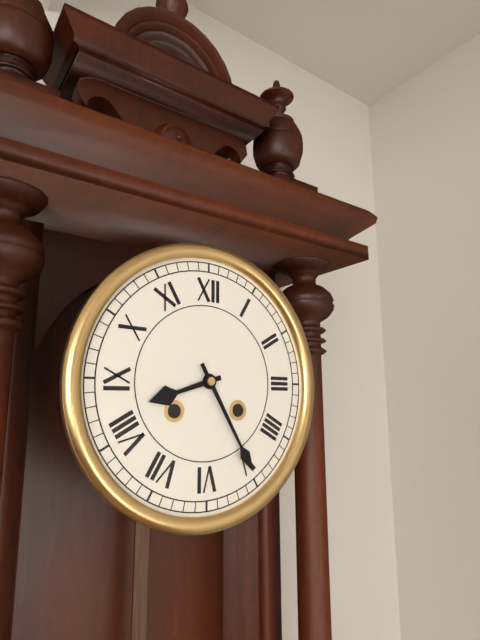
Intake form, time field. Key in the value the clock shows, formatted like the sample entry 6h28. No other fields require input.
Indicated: 8h25
